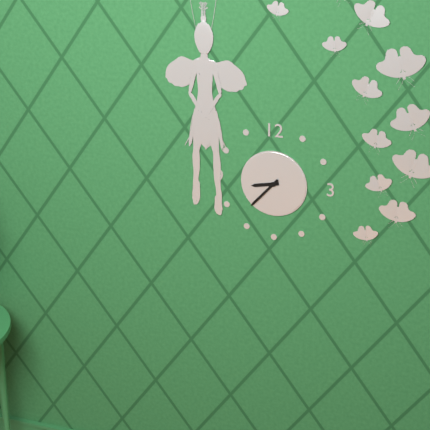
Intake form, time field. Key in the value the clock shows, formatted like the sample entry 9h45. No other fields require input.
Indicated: 8h37
